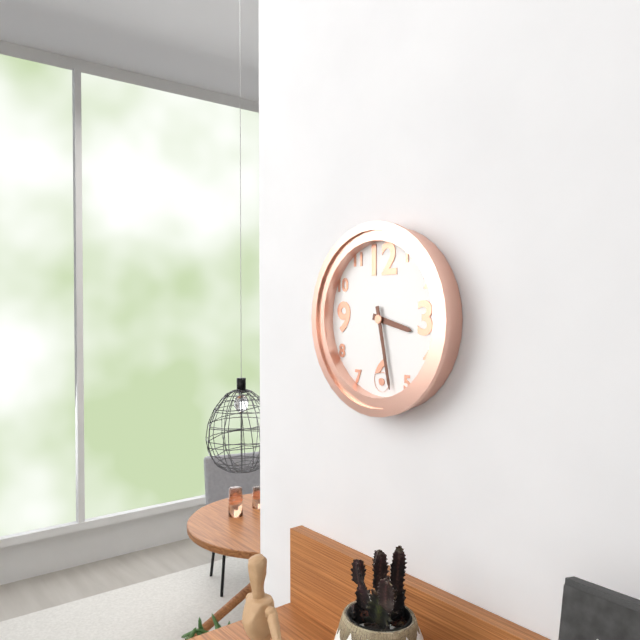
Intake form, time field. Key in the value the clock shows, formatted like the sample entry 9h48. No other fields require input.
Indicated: 3h28
